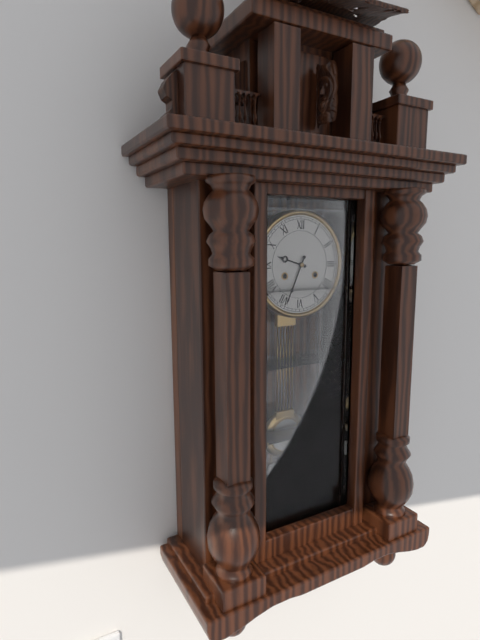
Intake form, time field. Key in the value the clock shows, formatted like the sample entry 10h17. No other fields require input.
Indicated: 9h34
